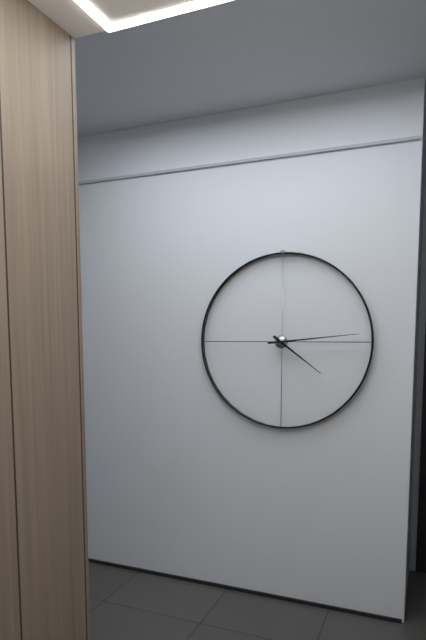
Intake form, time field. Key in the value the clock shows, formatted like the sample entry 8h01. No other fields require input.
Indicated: 4h14
